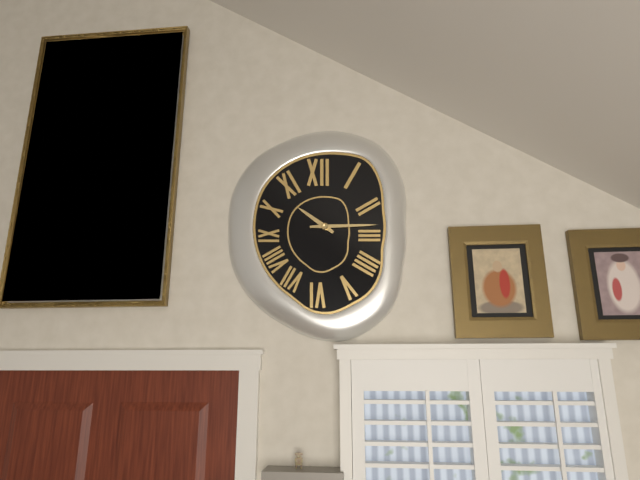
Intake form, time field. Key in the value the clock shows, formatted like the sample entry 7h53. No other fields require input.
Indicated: 10h15
